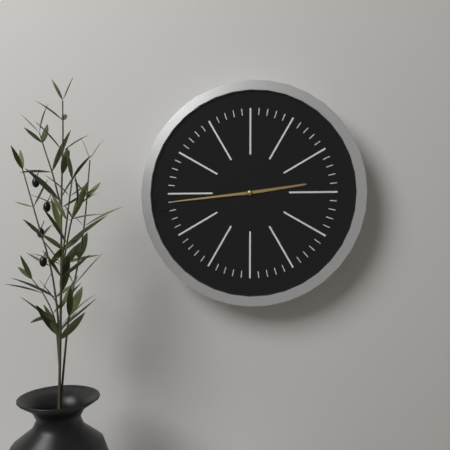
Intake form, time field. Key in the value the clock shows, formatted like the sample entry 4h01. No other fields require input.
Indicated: 2h44
